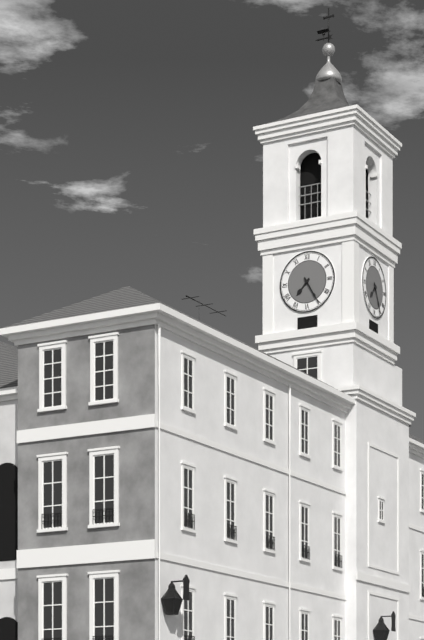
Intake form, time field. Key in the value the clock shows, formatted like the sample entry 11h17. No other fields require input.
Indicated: 7h25
